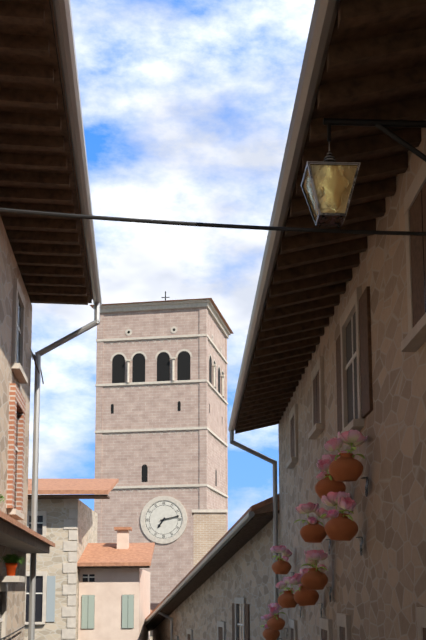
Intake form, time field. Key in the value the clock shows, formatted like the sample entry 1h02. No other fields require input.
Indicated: 7h13
